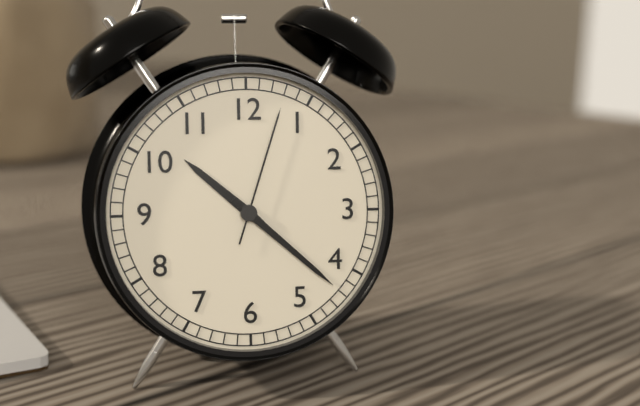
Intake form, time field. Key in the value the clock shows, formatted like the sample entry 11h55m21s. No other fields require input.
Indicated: 10h22m03s
